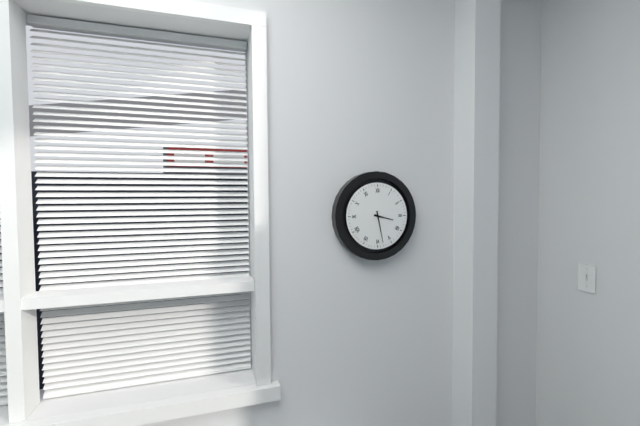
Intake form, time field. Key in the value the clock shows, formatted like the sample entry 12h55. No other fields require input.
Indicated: 3h28
